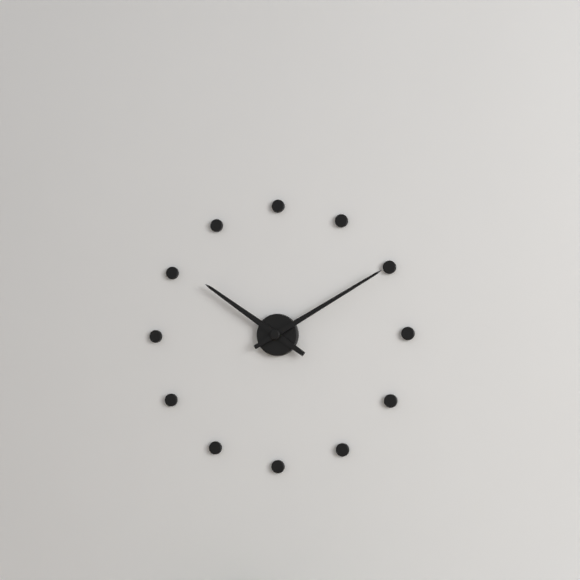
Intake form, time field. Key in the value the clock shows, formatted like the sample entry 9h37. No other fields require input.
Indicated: 10h10
